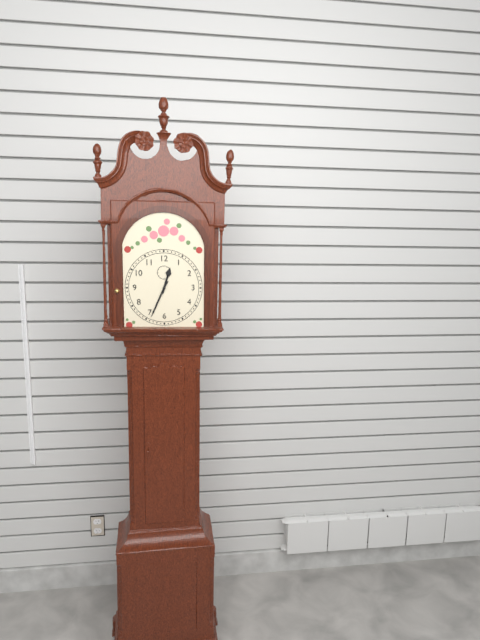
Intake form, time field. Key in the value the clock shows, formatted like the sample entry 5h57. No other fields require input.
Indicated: 12h34
